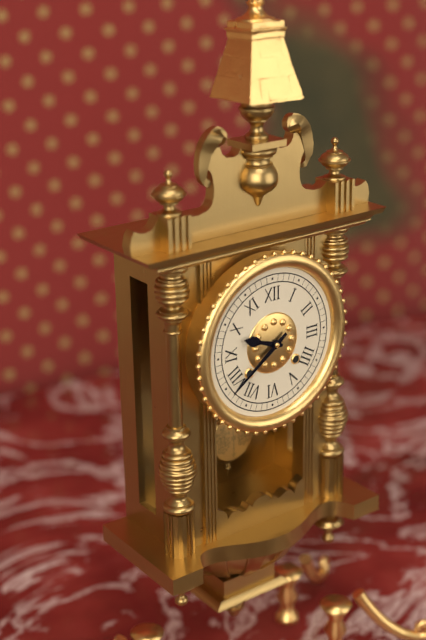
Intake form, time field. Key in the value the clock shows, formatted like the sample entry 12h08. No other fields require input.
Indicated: 9h39
